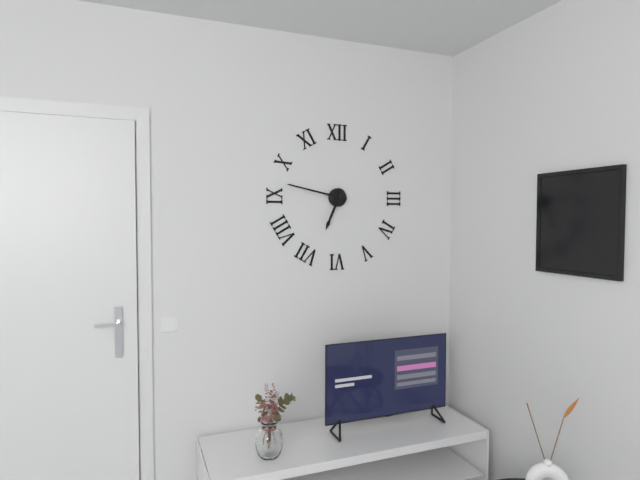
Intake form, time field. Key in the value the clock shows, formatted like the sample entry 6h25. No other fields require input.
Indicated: 6h47
